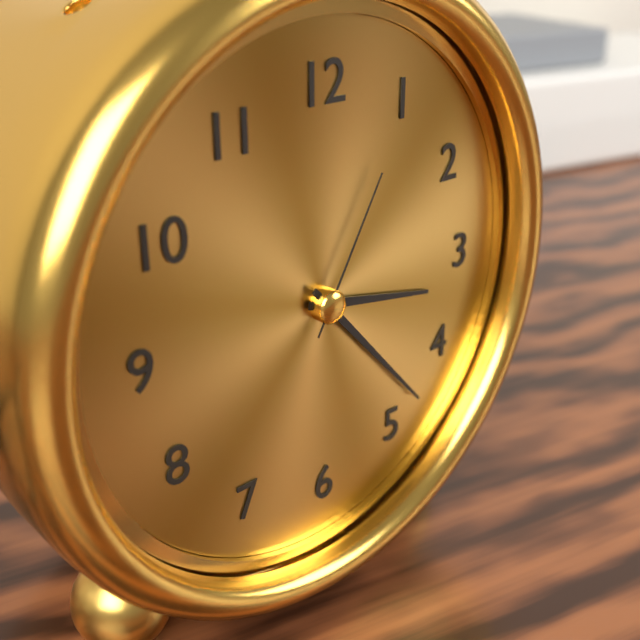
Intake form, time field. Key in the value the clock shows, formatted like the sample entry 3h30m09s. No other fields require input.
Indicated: 3h23m05s
